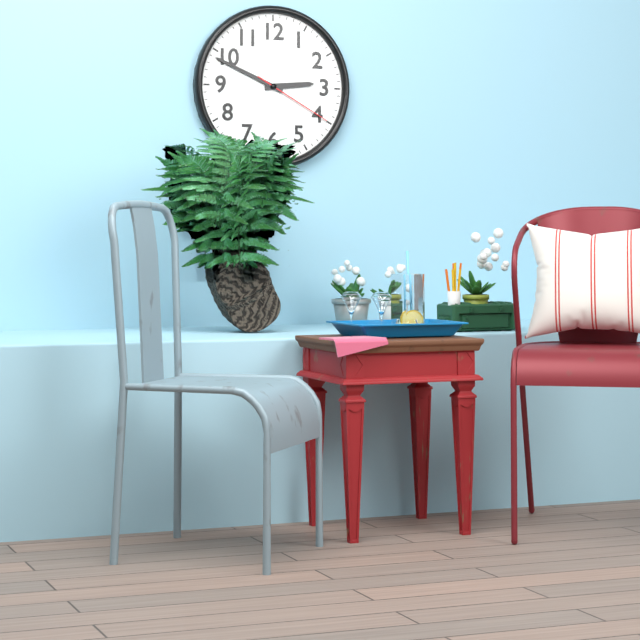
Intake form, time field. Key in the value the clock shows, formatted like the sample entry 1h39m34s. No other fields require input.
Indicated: 2h49m20s
